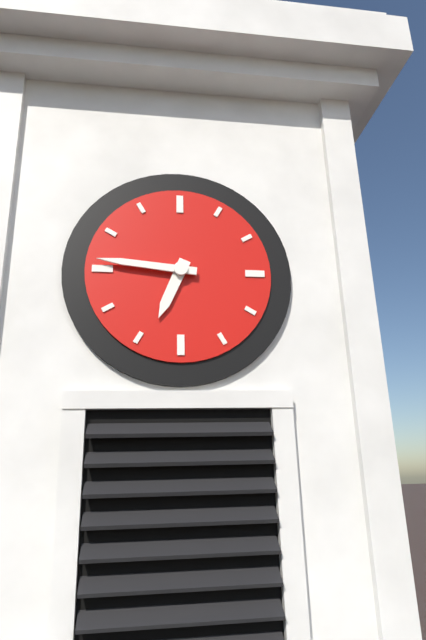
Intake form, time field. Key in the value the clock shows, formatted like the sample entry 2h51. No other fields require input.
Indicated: 6h46
